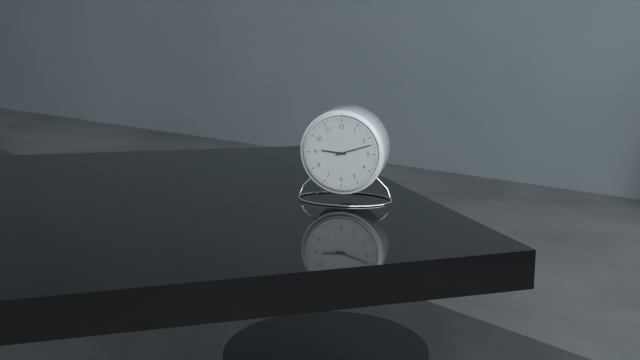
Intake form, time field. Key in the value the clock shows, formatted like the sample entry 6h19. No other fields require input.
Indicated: 9h12
